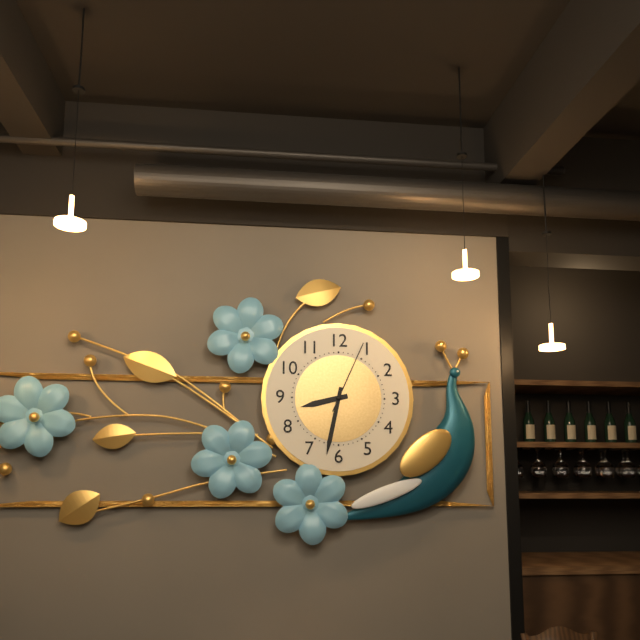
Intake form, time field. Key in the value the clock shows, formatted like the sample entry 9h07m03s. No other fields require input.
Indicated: 8h32m04s
